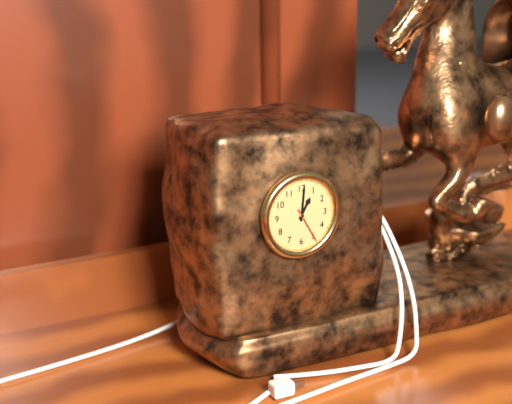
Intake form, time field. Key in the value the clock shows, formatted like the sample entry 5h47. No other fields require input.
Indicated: 1h01
